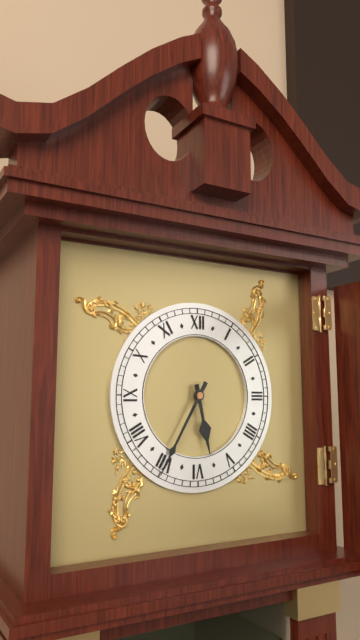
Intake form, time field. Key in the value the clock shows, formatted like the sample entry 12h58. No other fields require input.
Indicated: 5h35
